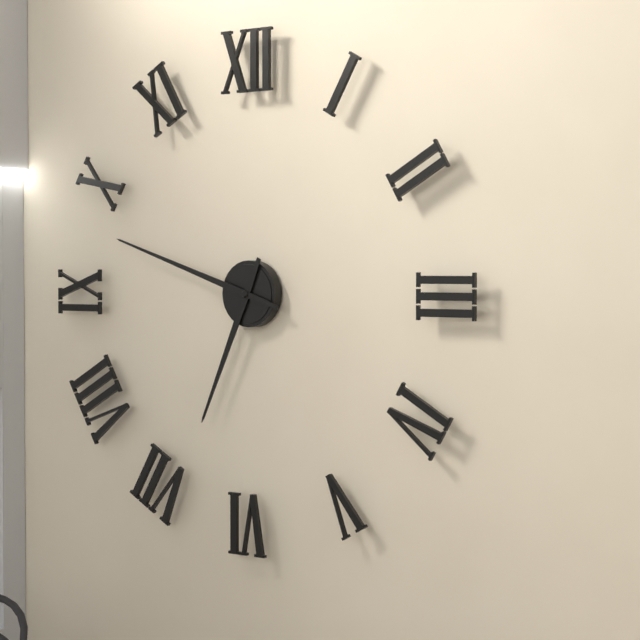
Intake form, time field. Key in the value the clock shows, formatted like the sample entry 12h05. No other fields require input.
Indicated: 6h48
